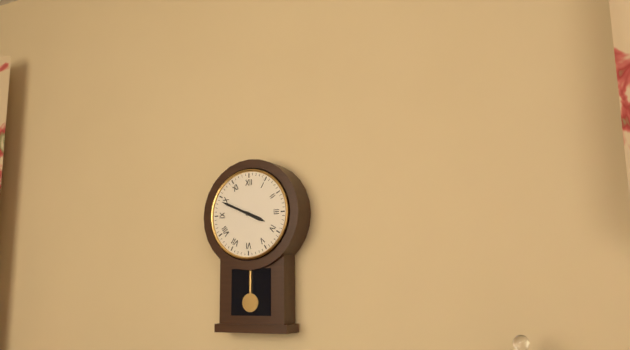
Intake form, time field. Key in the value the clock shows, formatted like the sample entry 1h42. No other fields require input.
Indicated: 3h49
